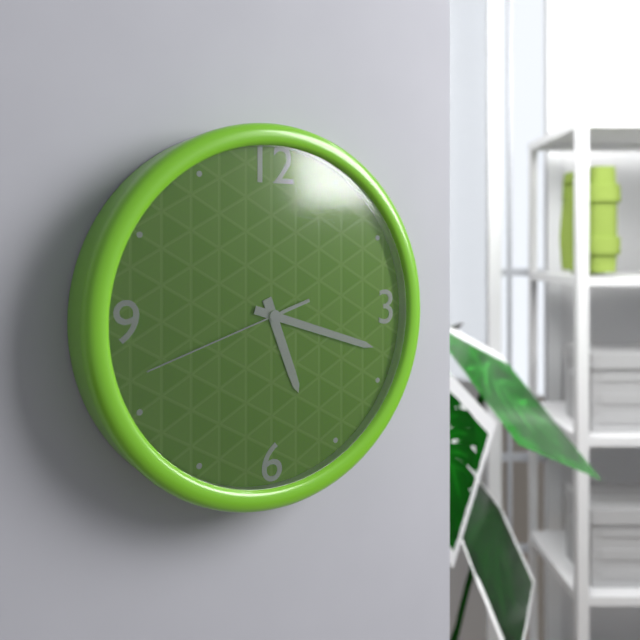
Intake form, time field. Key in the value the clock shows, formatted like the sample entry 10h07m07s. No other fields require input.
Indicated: 5h18m42s
